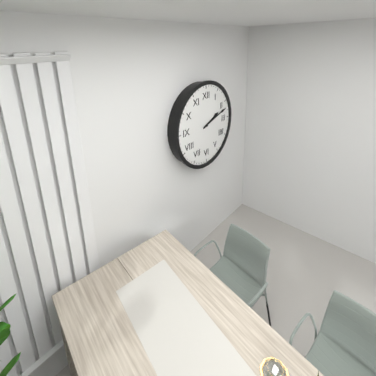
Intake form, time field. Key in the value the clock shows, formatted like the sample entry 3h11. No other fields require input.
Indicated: 2h12
